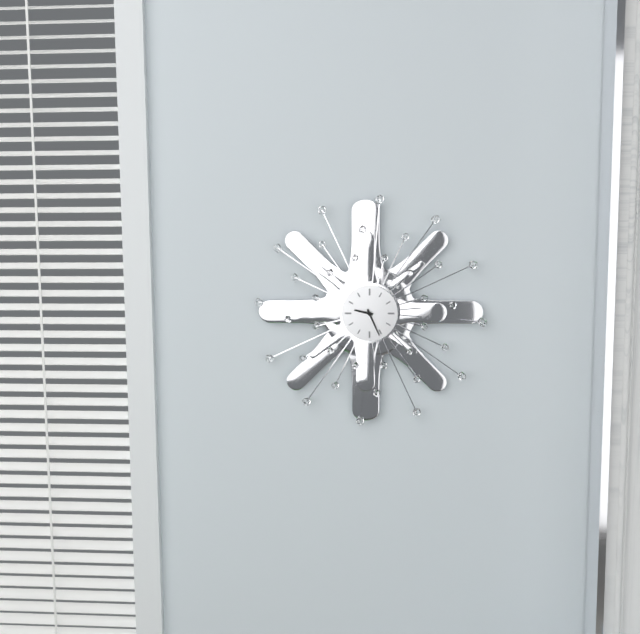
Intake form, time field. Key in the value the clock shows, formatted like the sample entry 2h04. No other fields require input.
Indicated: 9h26
